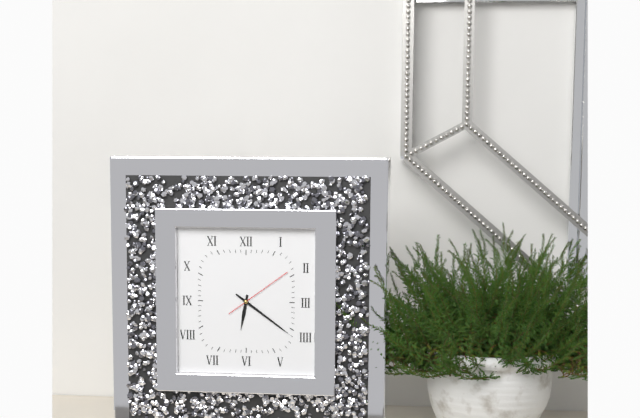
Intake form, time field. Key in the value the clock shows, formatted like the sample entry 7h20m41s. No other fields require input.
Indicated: 6h21m09s
